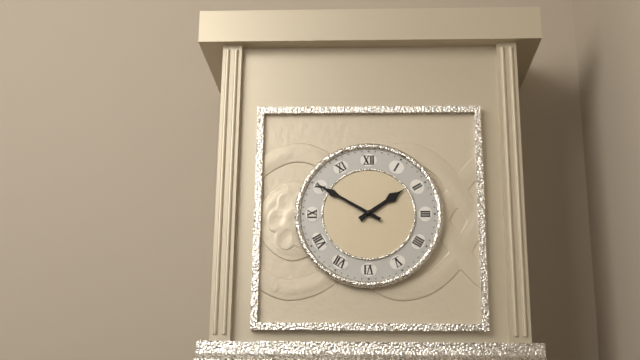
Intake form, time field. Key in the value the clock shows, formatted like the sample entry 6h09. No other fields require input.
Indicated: 1h50
